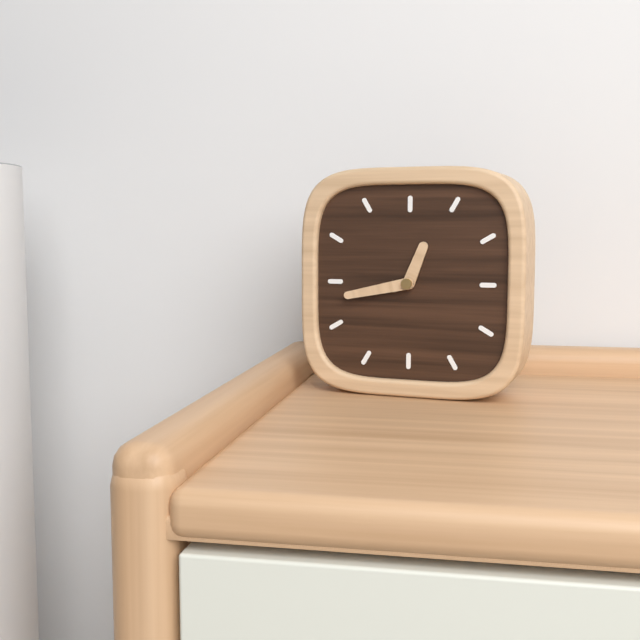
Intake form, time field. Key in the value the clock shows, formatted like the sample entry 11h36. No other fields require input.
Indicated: 12h43
